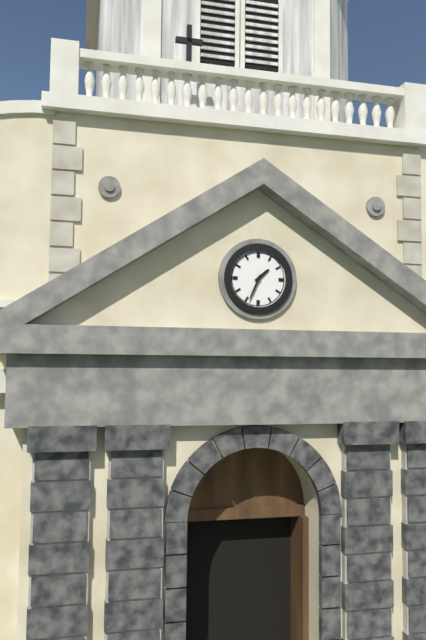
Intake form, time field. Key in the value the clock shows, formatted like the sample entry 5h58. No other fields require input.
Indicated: 1h34
